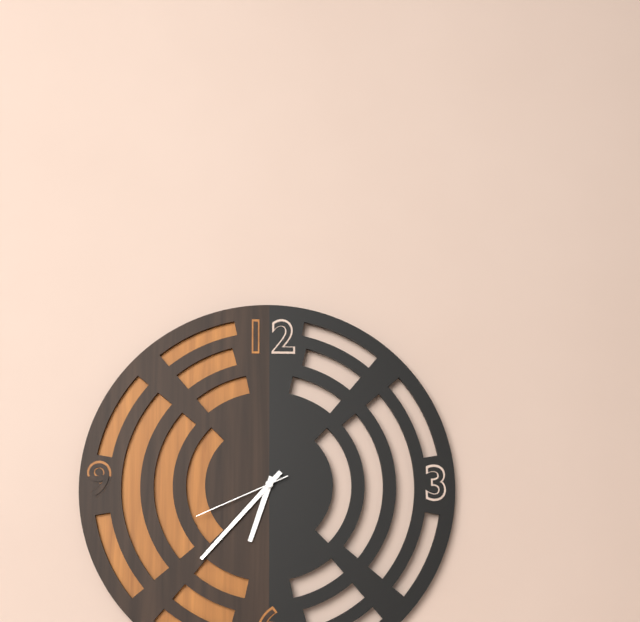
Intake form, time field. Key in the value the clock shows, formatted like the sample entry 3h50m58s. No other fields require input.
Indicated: 6h37m41s
